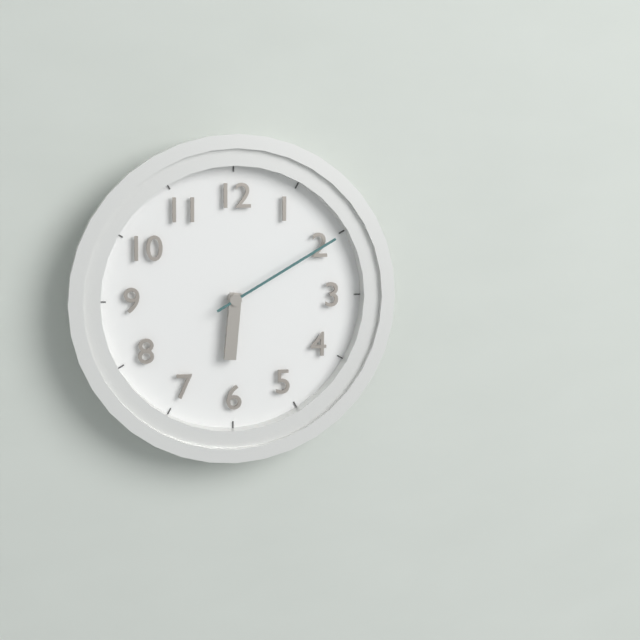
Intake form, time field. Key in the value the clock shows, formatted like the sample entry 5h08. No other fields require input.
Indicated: 6h10
